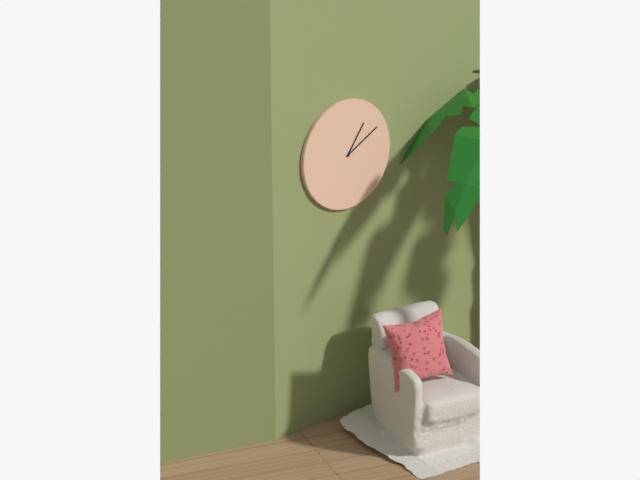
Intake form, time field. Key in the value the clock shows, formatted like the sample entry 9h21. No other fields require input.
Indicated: 1h10
